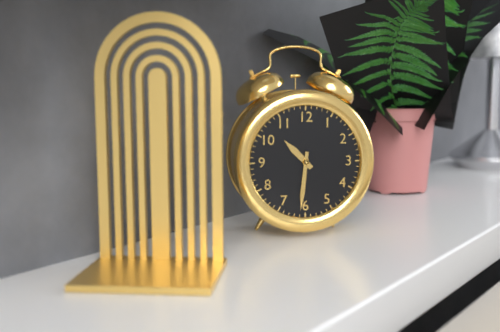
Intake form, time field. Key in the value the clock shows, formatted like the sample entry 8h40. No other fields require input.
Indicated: 10h31
